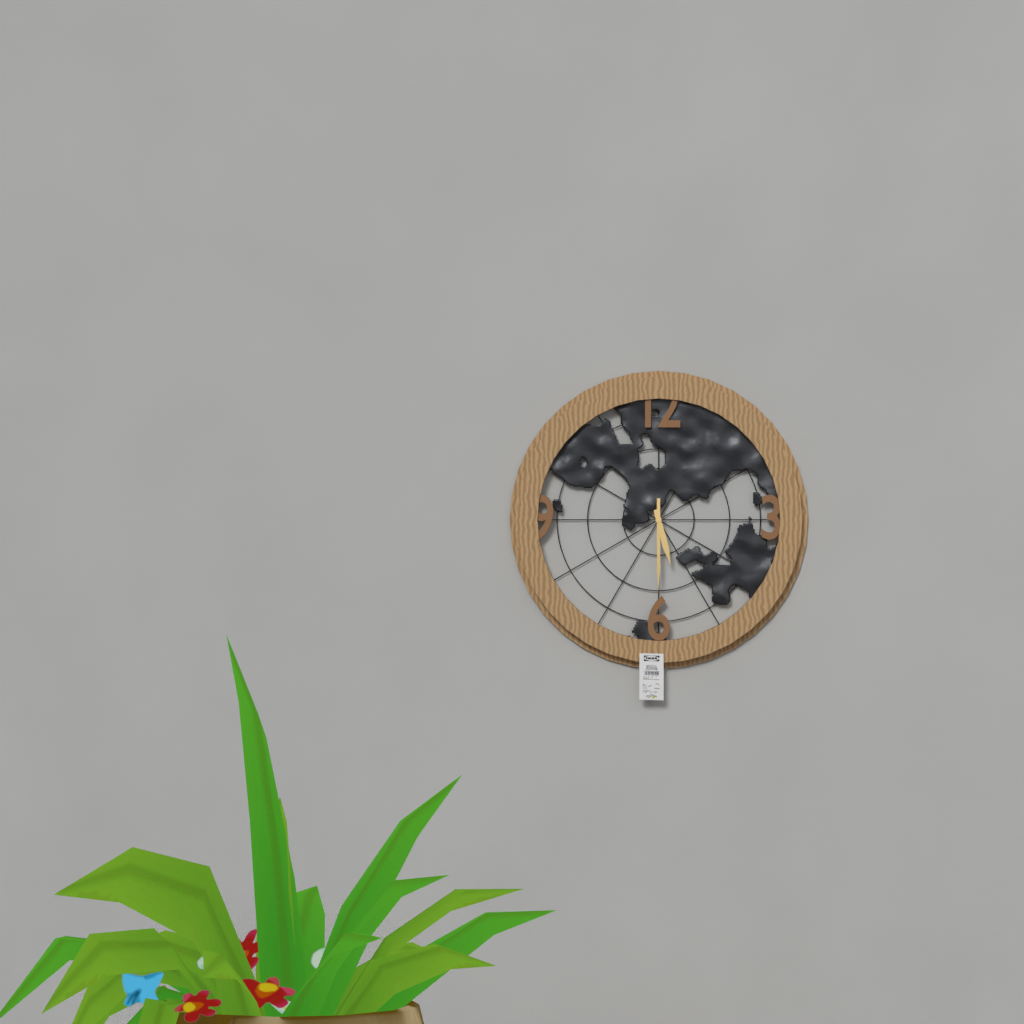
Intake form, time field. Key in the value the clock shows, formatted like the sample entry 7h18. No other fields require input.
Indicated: 5h30
